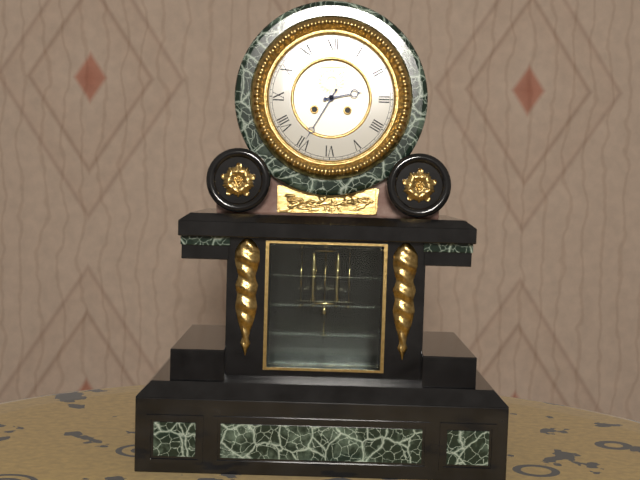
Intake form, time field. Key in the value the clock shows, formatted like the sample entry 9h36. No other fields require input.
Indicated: 2h35
